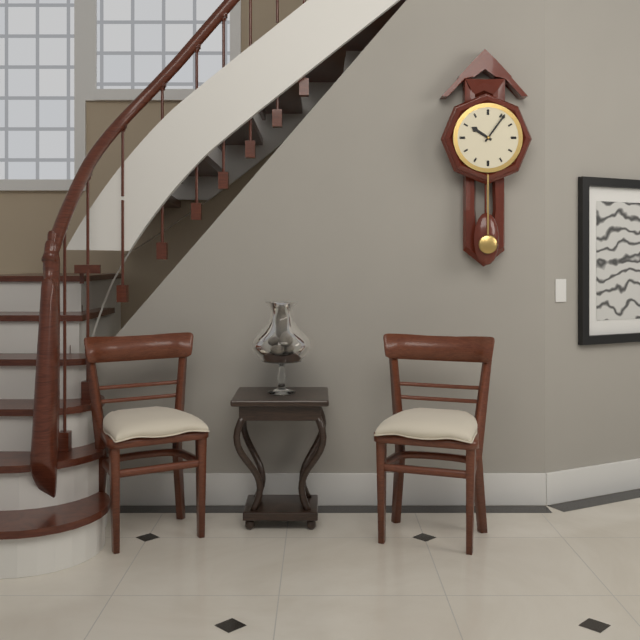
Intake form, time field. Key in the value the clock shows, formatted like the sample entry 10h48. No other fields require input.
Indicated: 10h06
